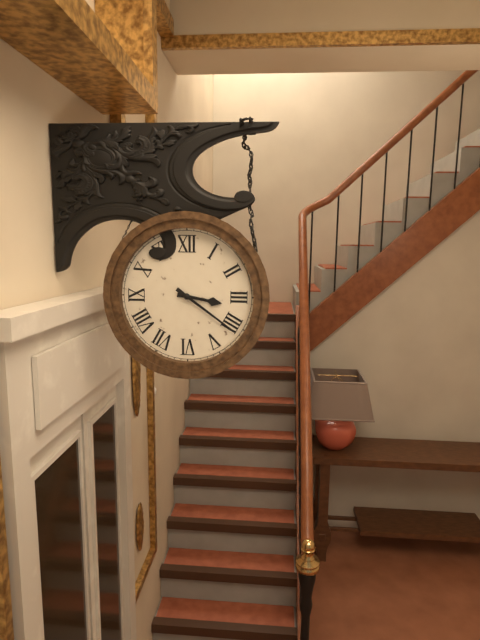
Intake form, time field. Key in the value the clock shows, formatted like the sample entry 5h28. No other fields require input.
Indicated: 3h21
